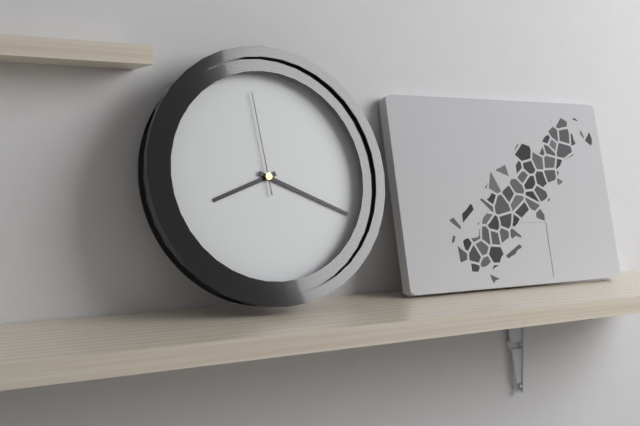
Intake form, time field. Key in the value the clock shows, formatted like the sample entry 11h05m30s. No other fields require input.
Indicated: 8h19m59s
